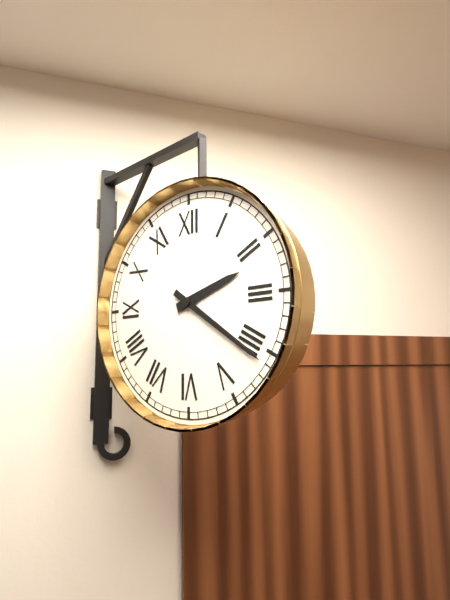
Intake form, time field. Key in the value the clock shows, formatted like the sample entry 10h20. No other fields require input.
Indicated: 2h21
